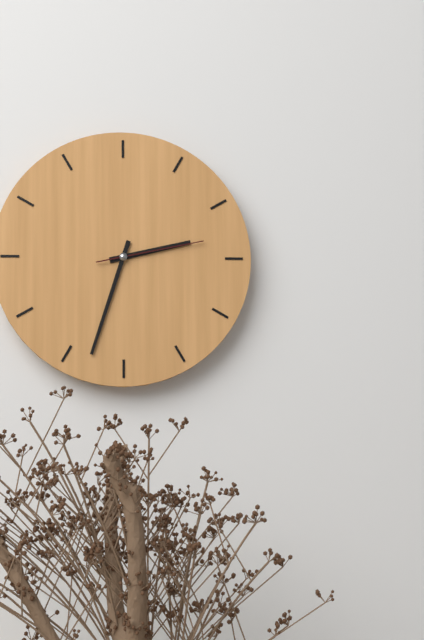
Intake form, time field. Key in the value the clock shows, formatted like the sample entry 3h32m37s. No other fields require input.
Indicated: 2h33m13s
